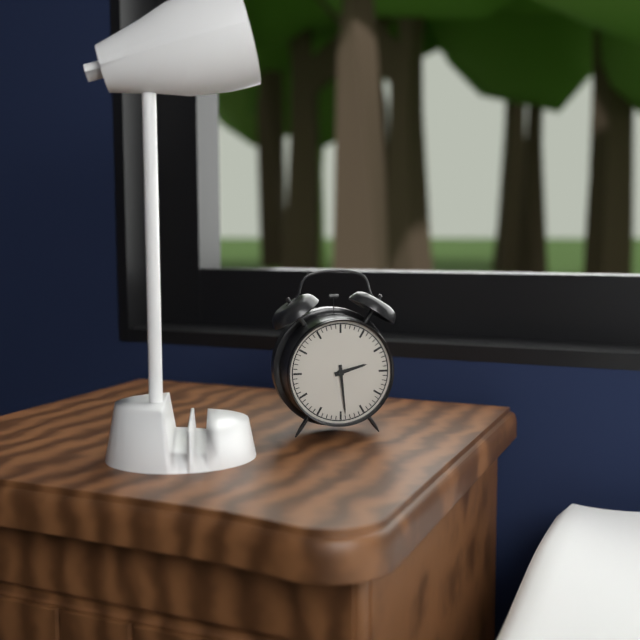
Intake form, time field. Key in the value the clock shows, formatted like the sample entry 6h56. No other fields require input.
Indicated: 2h29
